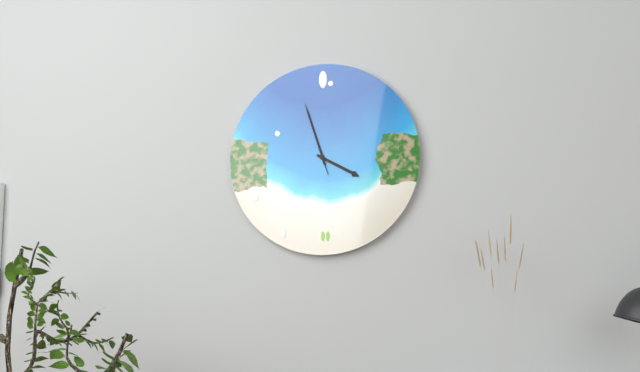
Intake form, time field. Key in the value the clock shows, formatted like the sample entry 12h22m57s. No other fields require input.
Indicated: 3h57m57s
